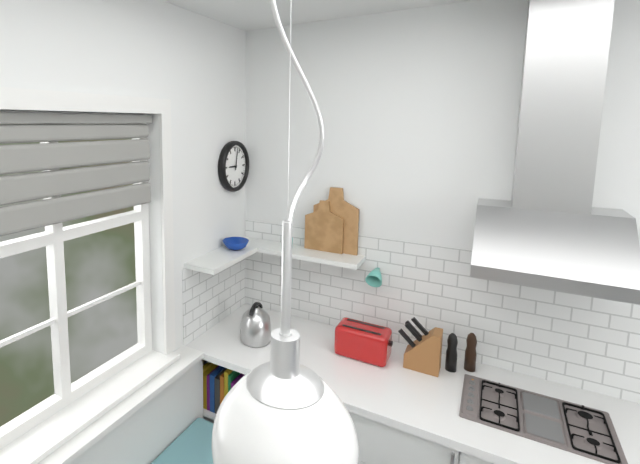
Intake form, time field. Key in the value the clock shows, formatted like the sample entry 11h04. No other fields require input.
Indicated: 9h02
